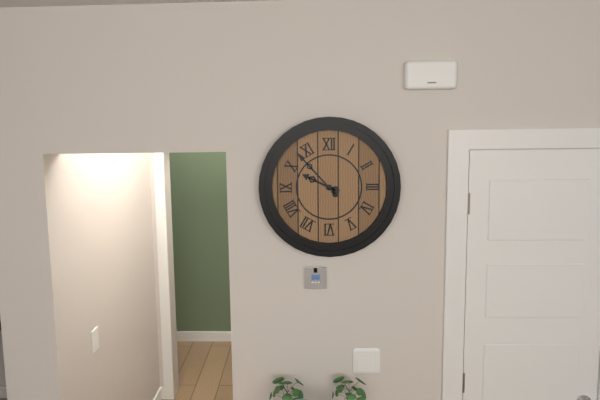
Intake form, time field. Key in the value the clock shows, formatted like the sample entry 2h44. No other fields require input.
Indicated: 9h53
